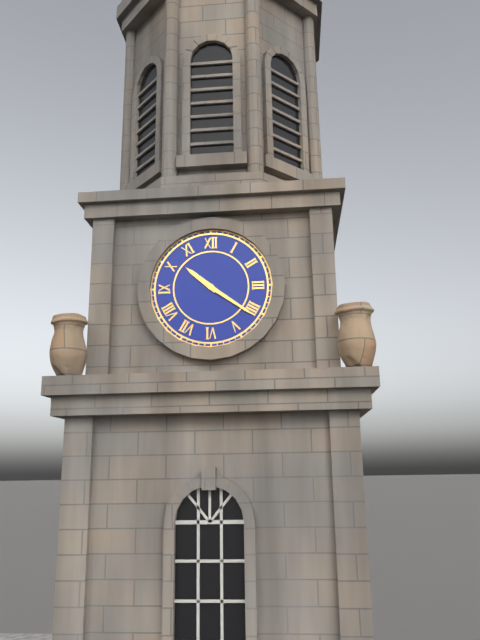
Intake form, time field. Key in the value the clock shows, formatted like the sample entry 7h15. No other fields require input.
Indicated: 10h21
